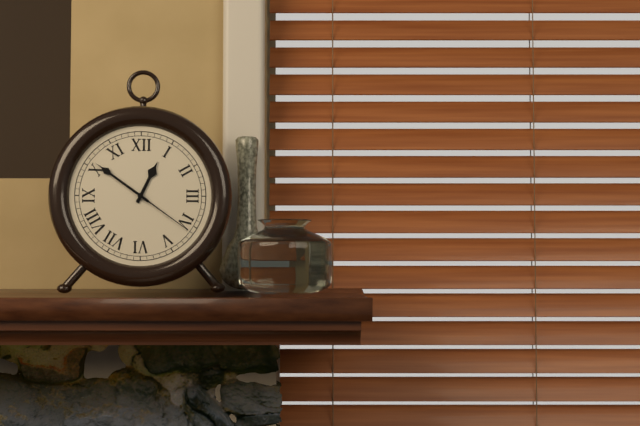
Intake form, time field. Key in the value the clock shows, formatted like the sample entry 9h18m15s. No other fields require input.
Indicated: 12h51m21s
